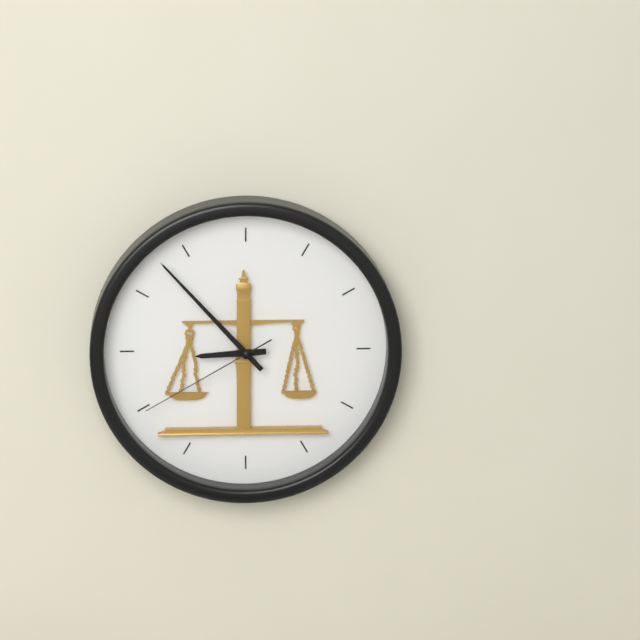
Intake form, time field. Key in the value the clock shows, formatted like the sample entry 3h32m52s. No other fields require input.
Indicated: 8h53m40s
